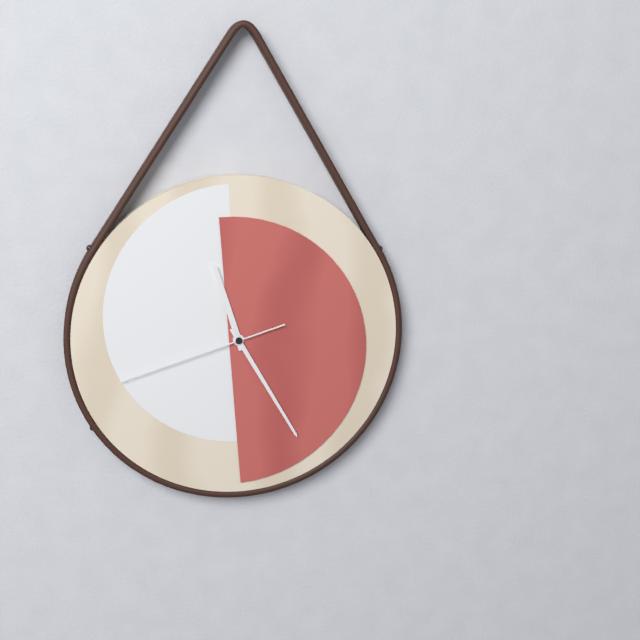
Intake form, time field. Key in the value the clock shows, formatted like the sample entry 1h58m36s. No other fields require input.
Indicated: 11h25m42s
